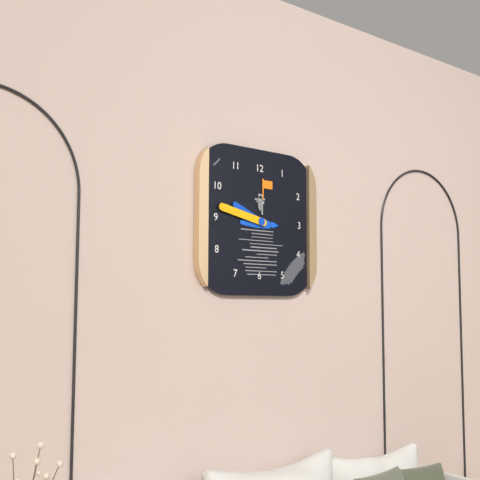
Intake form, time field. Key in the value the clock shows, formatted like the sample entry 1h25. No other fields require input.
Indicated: 9h47
